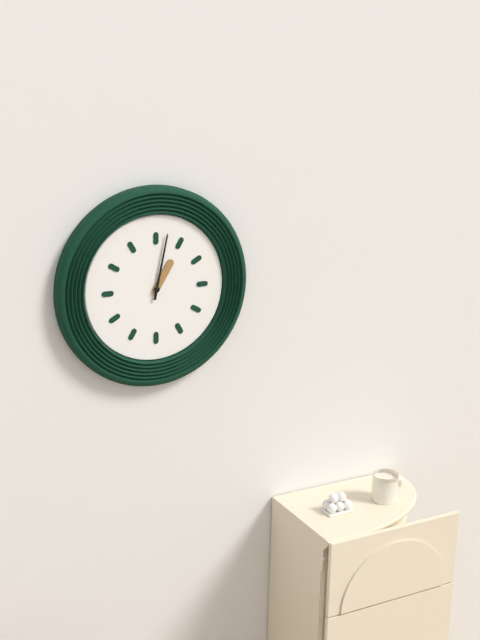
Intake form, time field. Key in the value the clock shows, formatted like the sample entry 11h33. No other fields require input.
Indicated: 1h02
